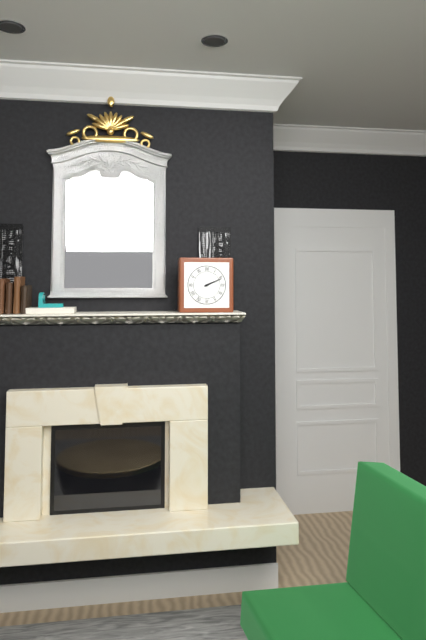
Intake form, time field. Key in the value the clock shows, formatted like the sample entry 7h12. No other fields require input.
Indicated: 2h11
